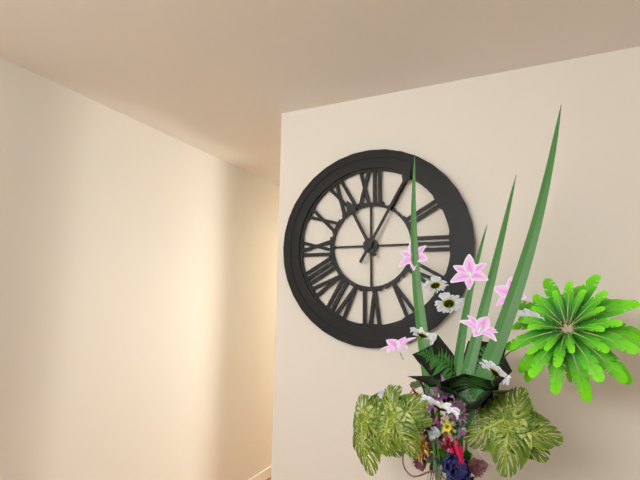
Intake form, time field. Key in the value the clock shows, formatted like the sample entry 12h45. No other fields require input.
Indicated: 11h05
